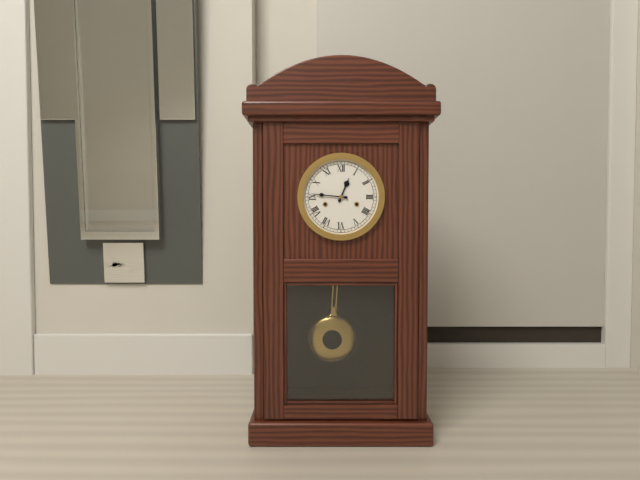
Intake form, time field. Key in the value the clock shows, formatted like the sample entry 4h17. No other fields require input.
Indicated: 12h46
